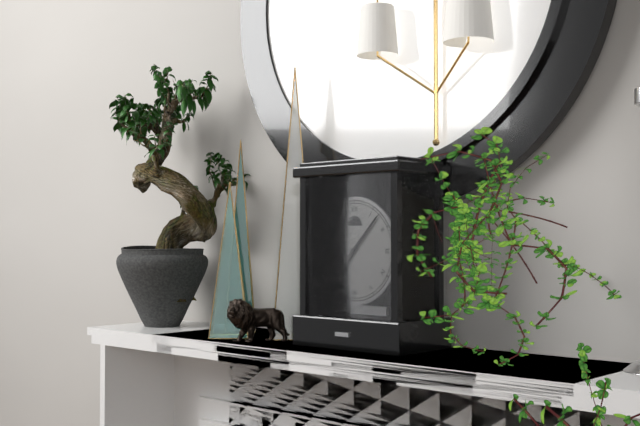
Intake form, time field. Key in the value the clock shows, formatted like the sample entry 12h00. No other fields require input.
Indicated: 7h07
